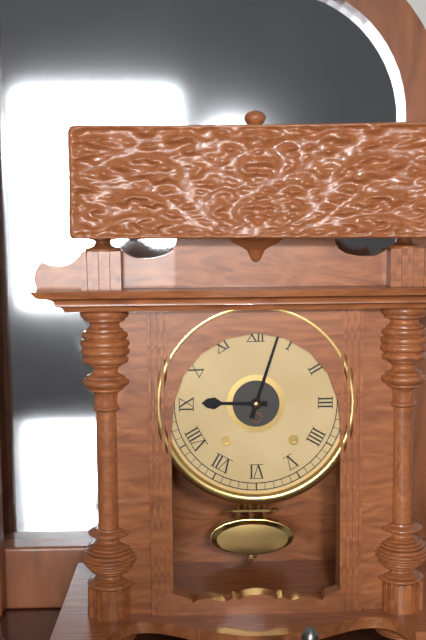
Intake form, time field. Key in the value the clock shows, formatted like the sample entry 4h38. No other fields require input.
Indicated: 9h03
